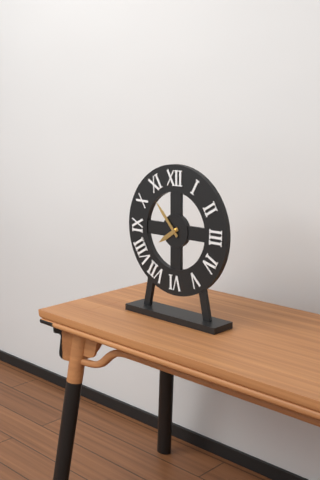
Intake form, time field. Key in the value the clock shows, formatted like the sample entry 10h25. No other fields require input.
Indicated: 7h53
